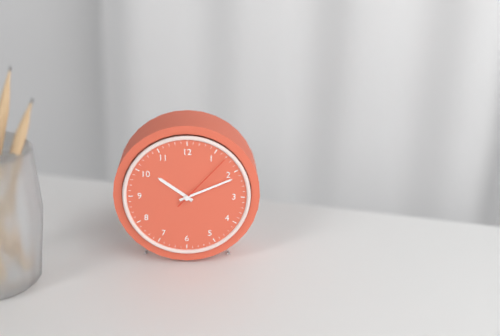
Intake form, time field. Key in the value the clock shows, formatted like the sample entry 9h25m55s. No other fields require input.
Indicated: 10h11m07s
